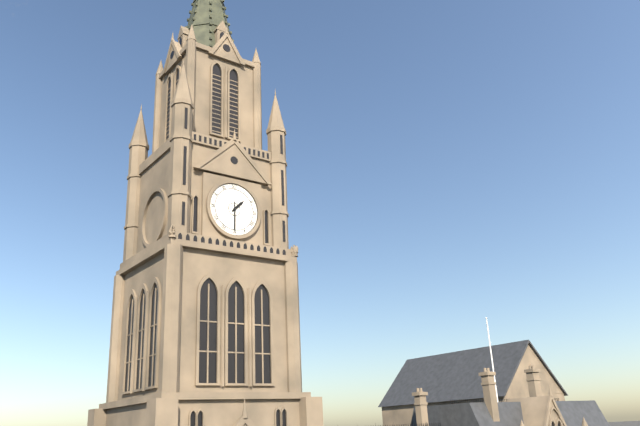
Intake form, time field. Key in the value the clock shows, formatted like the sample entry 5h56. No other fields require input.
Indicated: 1h30
